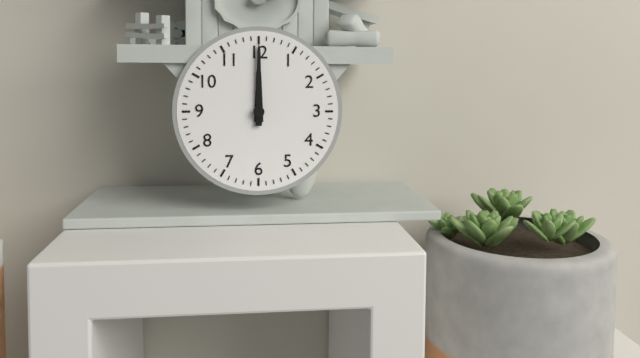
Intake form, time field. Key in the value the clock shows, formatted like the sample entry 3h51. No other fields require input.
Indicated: 12h00
